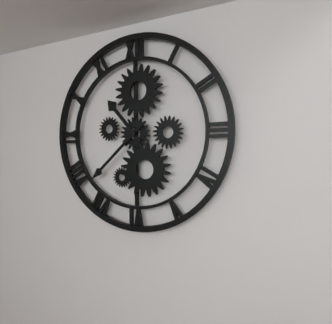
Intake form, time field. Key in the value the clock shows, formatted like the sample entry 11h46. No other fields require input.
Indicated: 10h38
